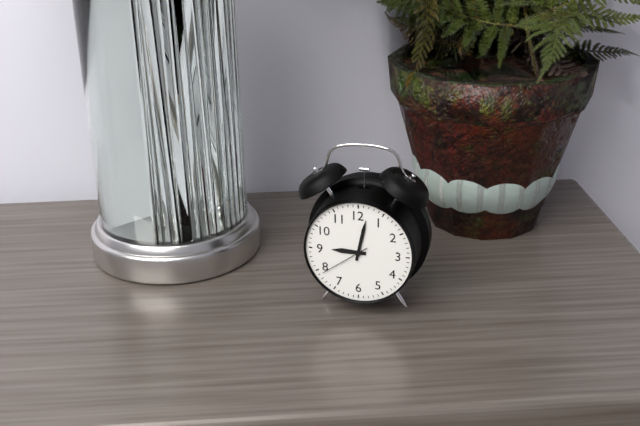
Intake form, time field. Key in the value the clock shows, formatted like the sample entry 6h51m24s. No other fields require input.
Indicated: 9h02m39s
